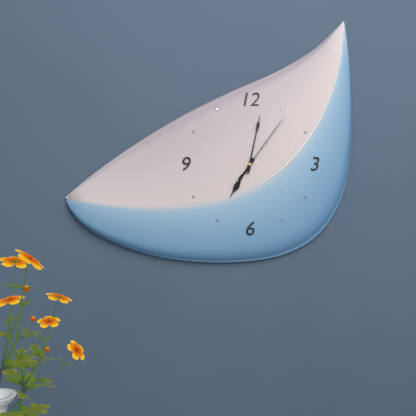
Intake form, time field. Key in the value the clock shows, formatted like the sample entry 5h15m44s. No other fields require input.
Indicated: 7h02m06s
